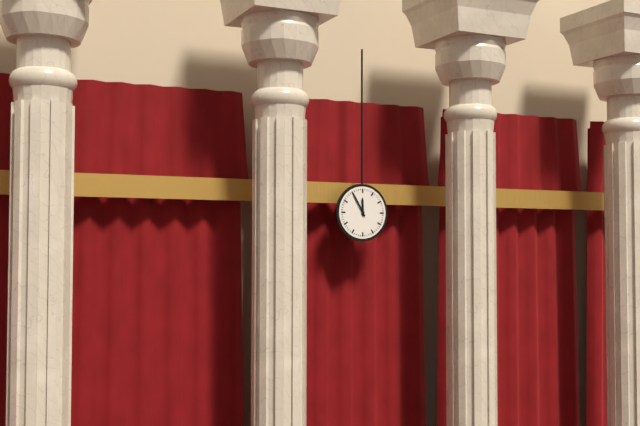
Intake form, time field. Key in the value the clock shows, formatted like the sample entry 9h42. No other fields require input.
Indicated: 11h55
